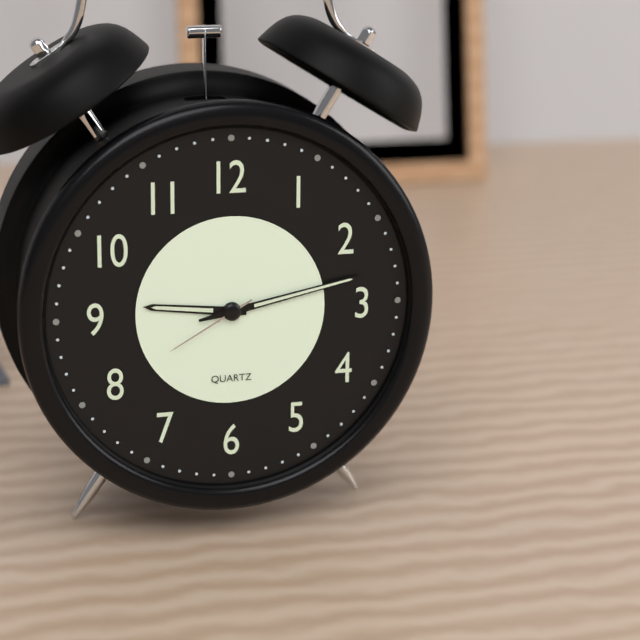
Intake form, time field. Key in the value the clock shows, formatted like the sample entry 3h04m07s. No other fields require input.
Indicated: 9h13m40s
